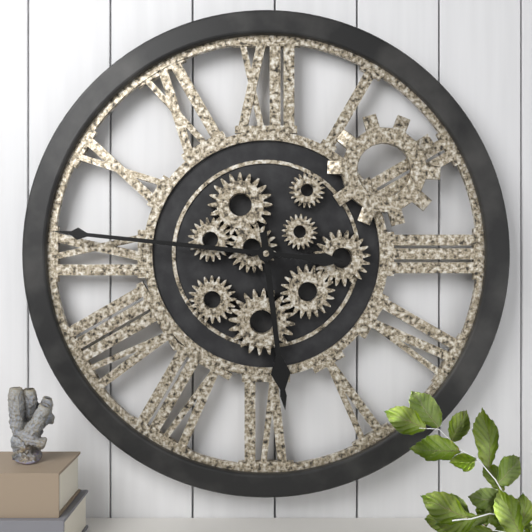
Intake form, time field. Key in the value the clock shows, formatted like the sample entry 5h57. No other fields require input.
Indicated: 5h46
